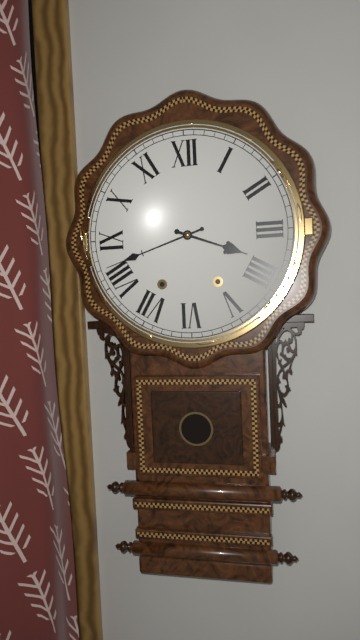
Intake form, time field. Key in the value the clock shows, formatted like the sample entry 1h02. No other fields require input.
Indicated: 3h42
